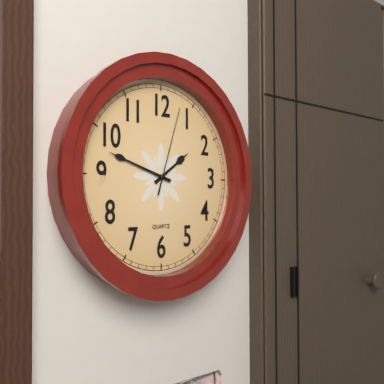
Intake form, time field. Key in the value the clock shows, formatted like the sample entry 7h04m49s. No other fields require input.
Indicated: 1h48m03s
